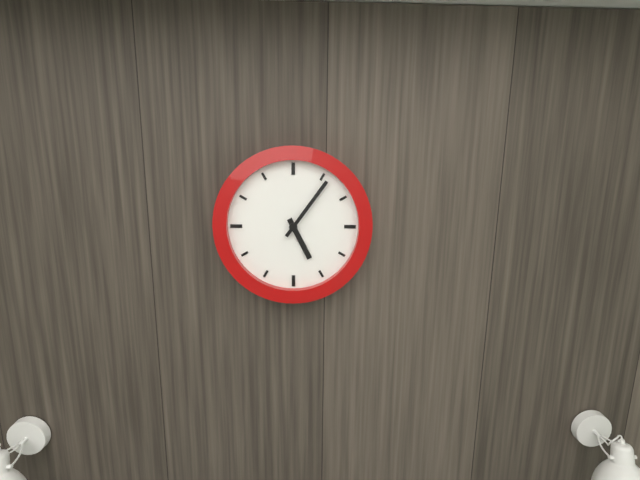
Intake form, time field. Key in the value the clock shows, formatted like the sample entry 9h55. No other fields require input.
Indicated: 5h06
